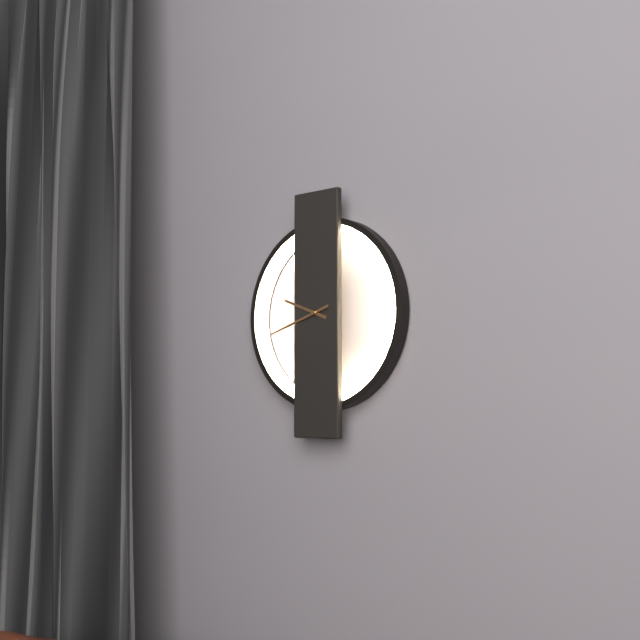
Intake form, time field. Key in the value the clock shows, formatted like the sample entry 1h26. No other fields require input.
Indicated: 9h42
